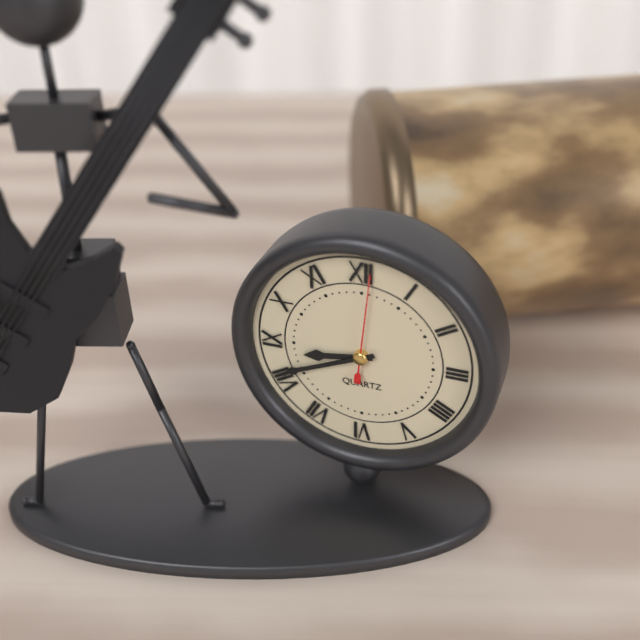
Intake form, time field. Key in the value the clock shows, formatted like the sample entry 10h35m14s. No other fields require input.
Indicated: 8h41m01s
